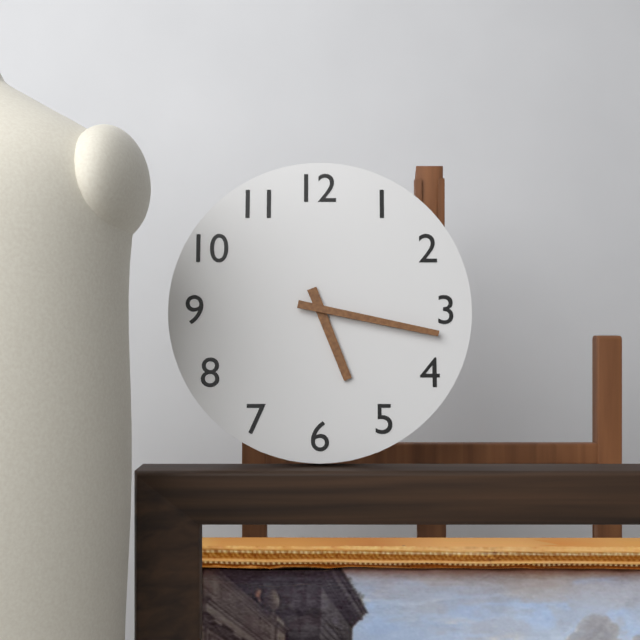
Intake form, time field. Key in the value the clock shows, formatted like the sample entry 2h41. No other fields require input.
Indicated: 5h17
